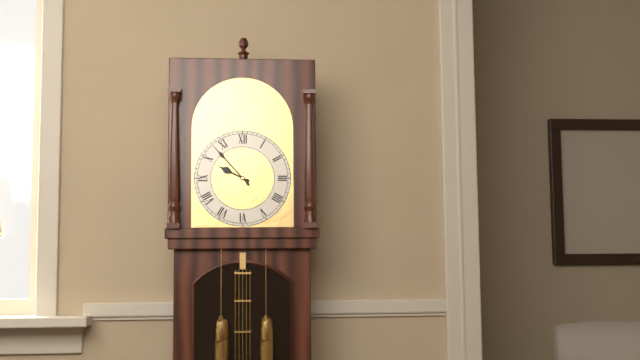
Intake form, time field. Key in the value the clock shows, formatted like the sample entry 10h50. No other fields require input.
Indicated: 9h53
